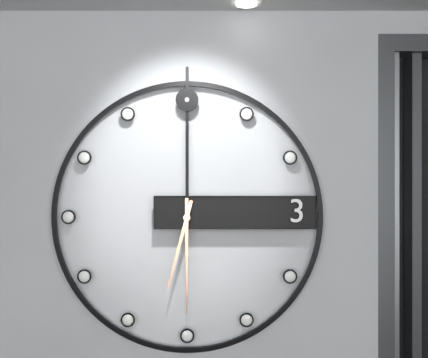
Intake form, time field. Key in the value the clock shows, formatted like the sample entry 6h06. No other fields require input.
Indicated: 6h30
